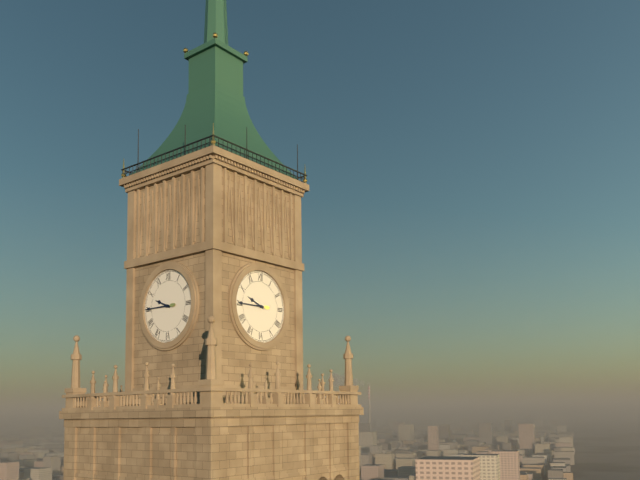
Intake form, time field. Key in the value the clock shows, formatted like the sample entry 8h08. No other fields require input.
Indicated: 9h45
